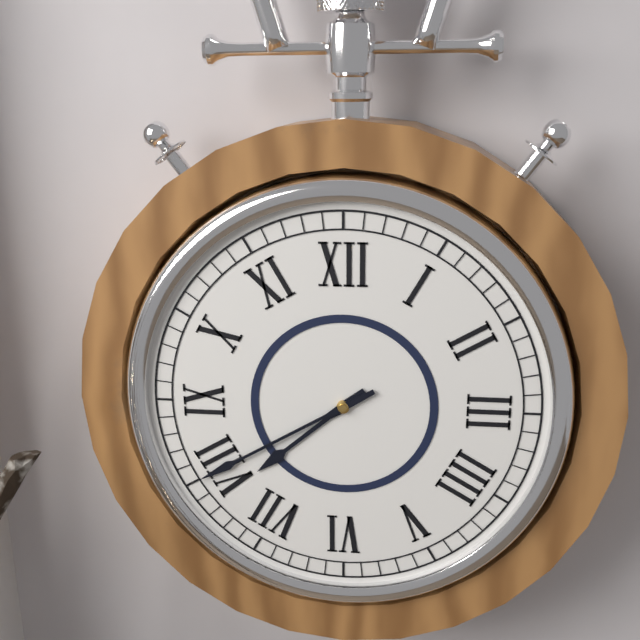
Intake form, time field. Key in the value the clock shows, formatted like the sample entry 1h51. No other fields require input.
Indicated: 7h40
